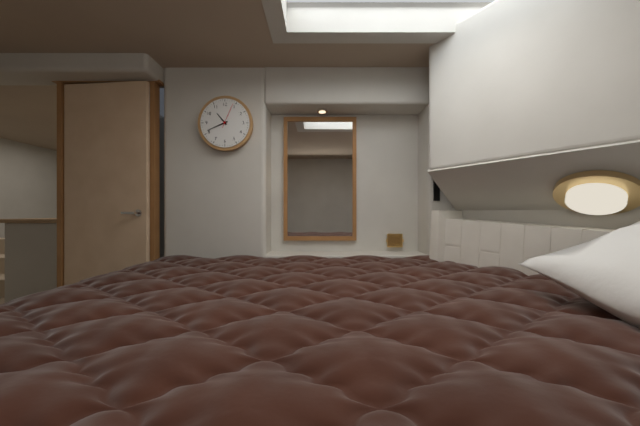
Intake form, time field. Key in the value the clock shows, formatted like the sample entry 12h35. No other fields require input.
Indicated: 10h41
